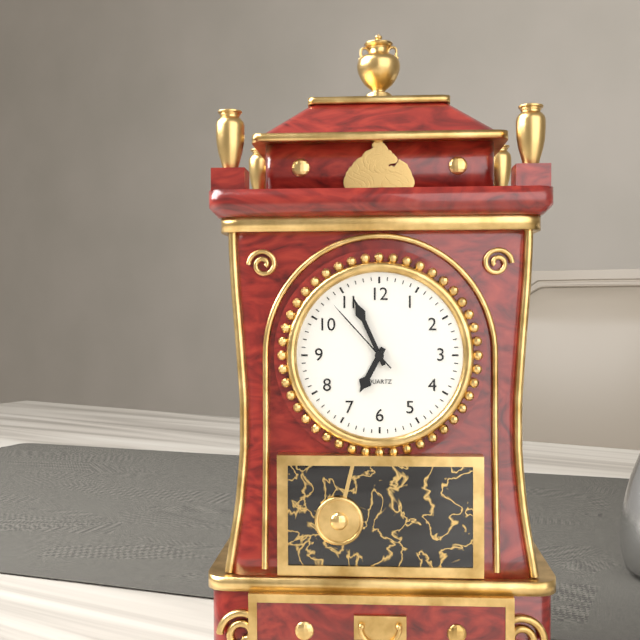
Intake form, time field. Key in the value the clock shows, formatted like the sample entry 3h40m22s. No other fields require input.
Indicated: 6h56m53s
